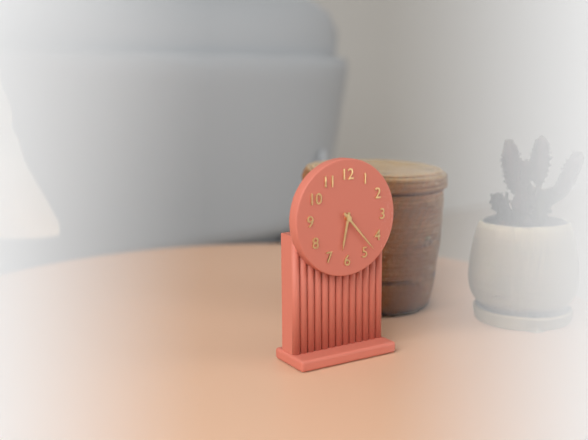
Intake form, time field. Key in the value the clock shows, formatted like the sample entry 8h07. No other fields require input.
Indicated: 6h23
